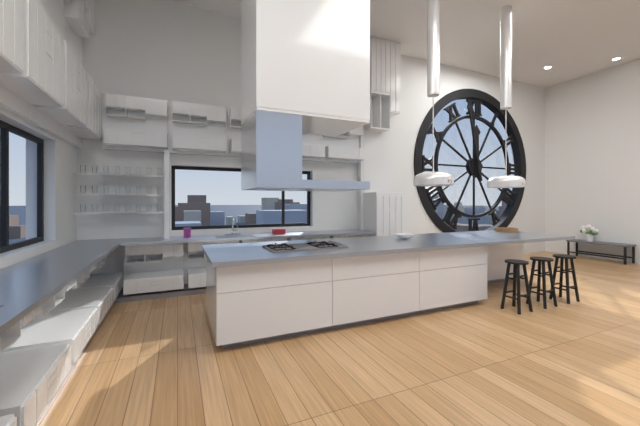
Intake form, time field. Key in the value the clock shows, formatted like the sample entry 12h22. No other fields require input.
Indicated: 11h58
